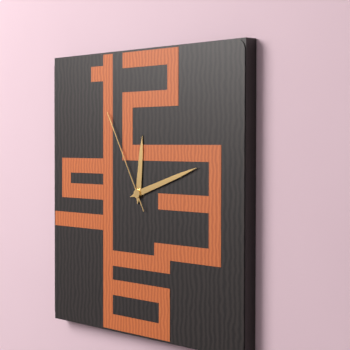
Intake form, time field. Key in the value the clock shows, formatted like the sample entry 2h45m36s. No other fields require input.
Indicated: 12h12m55s
